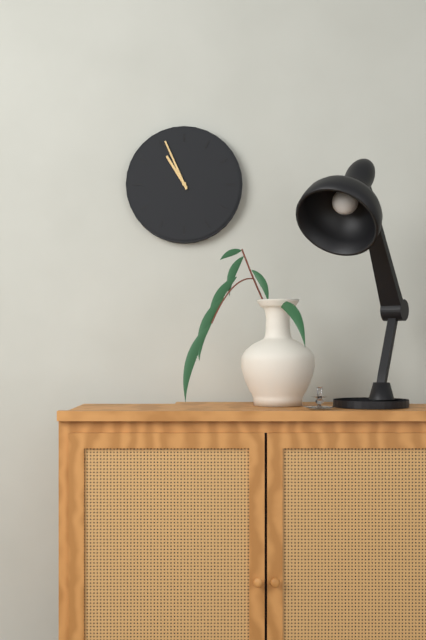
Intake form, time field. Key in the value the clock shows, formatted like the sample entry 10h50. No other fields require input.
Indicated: 10h56
